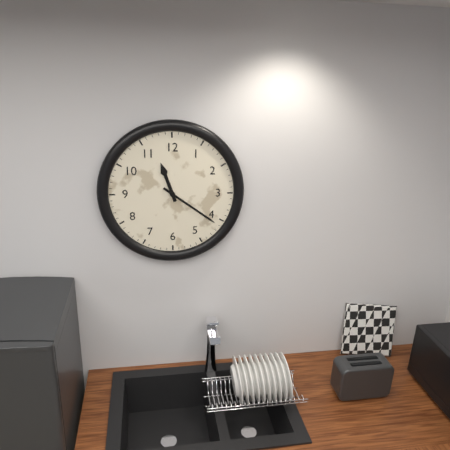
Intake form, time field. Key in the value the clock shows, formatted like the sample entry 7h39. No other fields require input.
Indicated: 11h21
